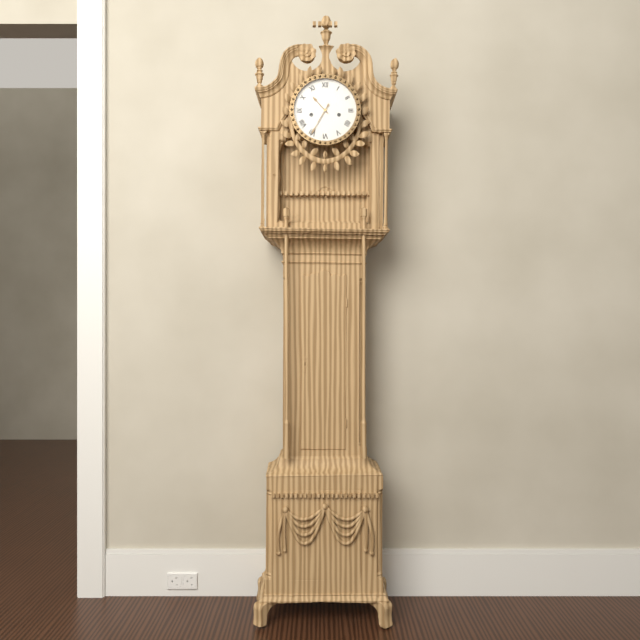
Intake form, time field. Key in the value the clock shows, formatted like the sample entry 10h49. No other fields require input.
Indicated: 10h35
